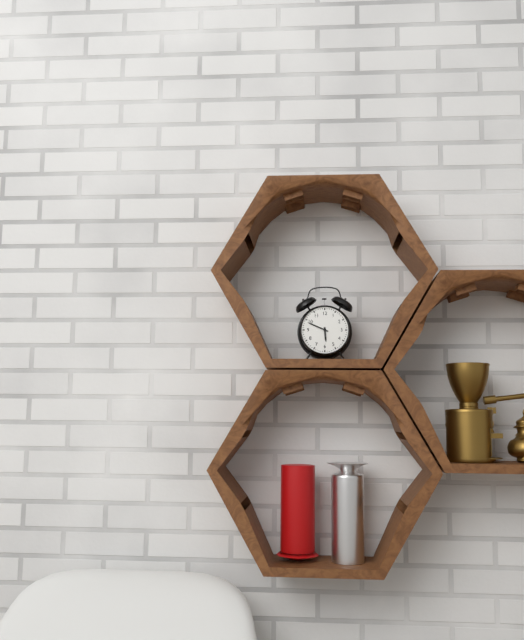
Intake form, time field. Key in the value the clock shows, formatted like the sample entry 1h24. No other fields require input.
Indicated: 5h49
